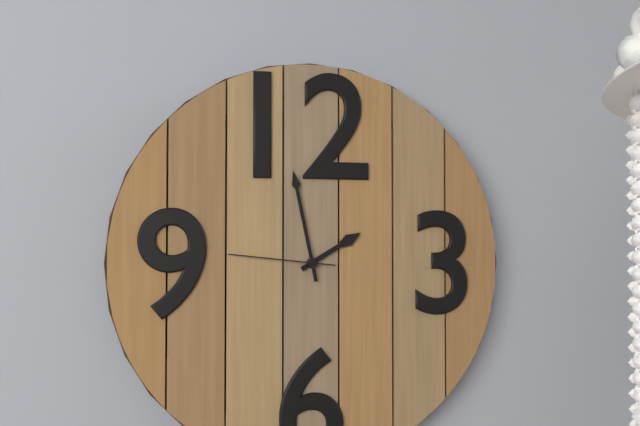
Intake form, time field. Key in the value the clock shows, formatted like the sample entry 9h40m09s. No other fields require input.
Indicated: 1h58m46s
